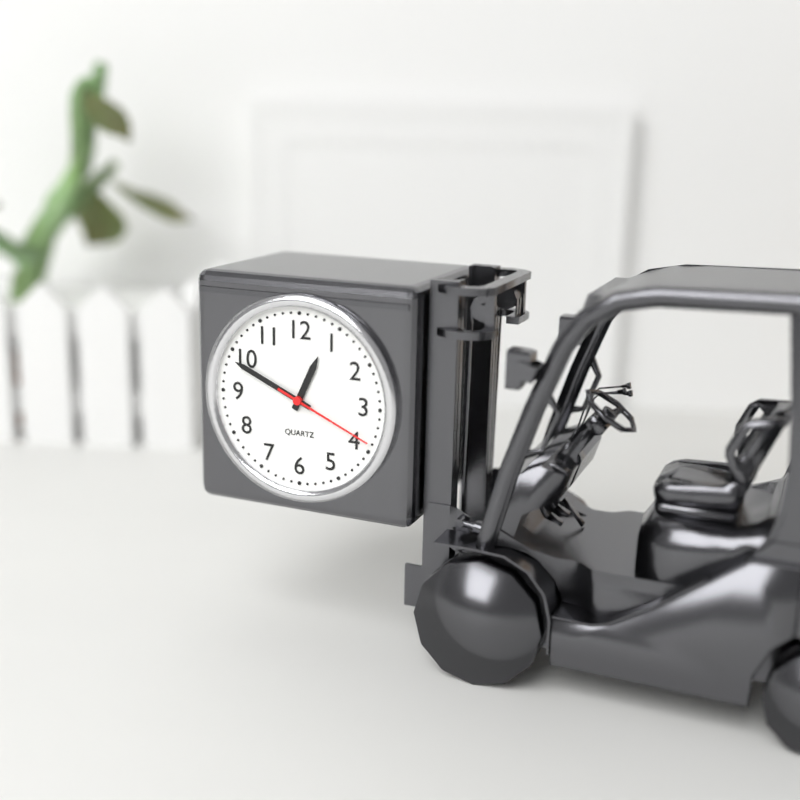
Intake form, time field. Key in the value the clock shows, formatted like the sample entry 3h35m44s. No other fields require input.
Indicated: 12h49m19s
